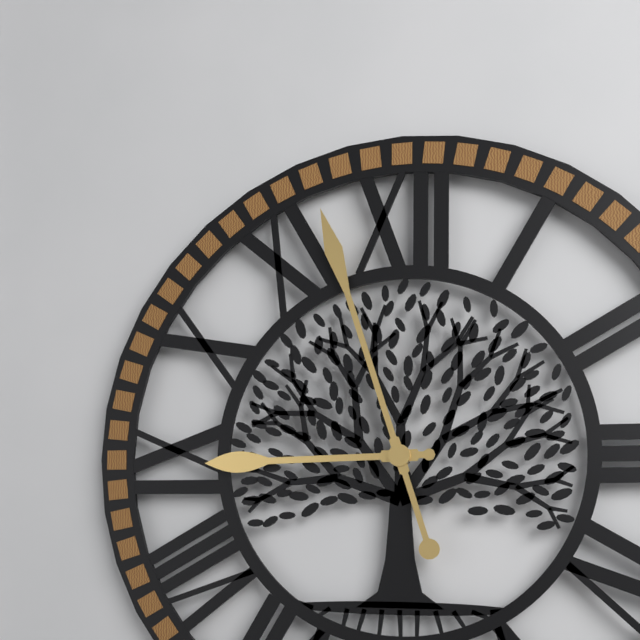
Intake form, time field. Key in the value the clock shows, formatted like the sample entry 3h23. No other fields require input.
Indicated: 8h57
